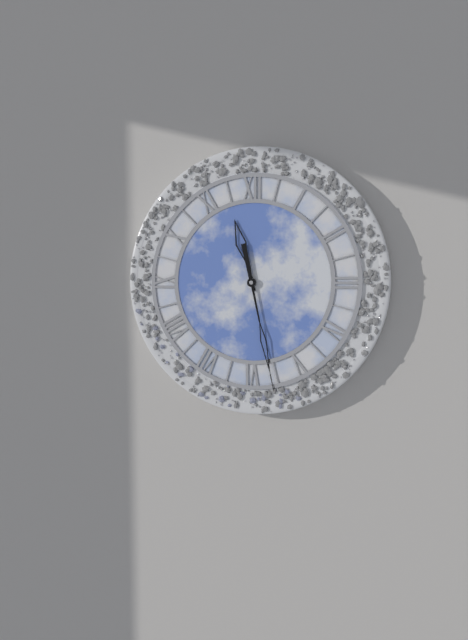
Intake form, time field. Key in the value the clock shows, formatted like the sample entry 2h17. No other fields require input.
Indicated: 11h28
